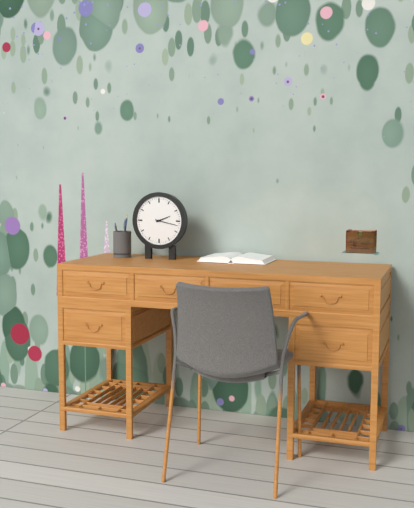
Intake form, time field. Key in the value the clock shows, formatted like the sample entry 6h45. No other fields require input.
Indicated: 2h17
